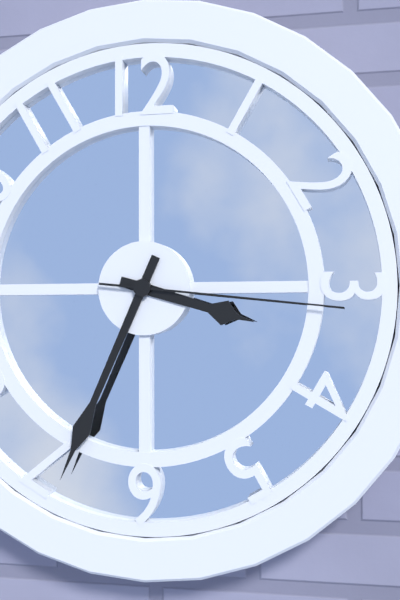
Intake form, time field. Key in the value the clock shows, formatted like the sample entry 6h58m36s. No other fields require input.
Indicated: 3h34m16s
